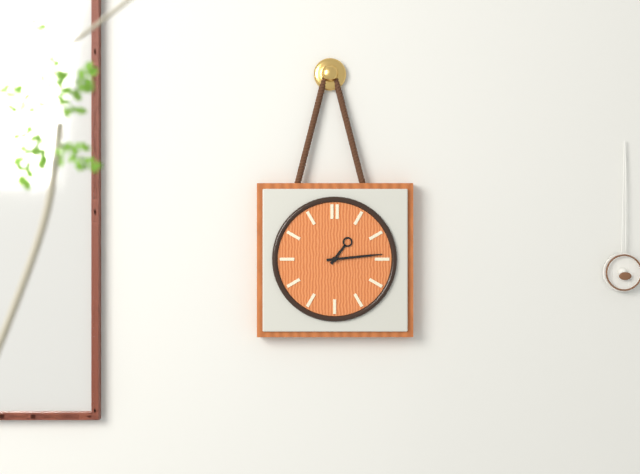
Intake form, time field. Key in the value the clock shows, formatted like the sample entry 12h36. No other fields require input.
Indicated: 1h14
